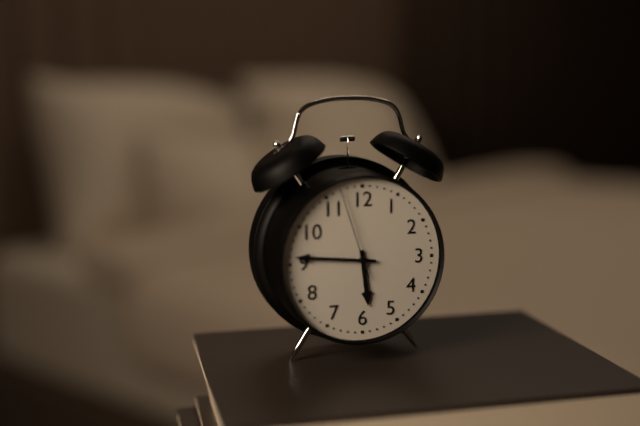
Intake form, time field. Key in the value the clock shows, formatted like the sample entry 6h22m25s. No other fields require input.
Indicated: 5h46m57s
